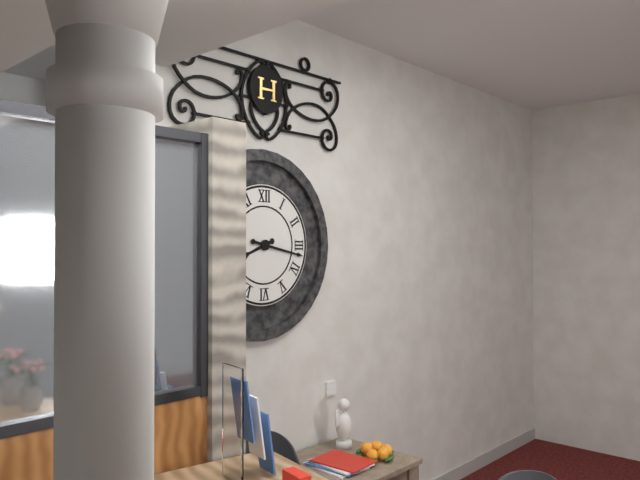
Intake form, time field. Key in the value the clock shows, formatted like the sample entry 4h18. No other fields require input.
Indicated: 8h17
